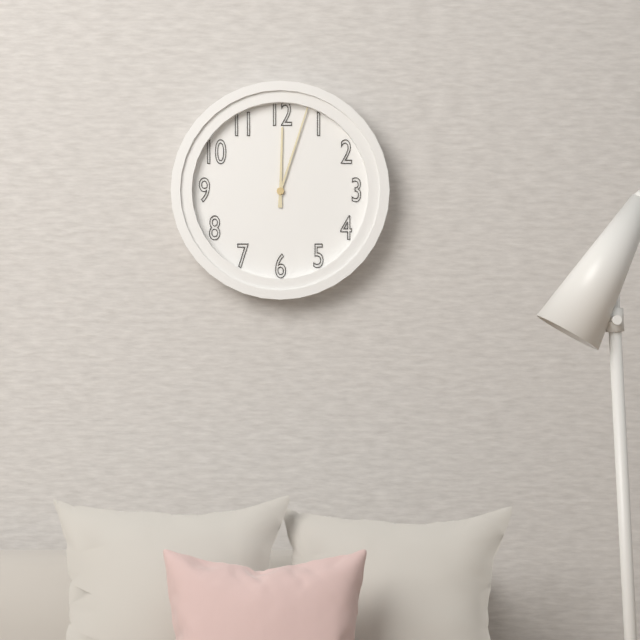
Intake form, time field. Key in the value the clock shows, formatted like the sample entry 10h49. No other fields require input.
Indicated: 12h03
